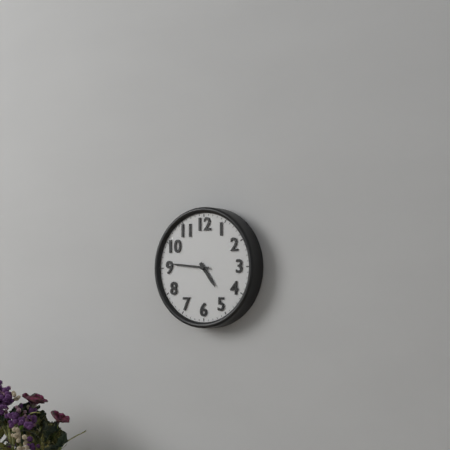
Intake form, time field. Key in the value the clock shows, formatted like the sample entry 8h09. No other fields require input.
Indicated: 4h46
